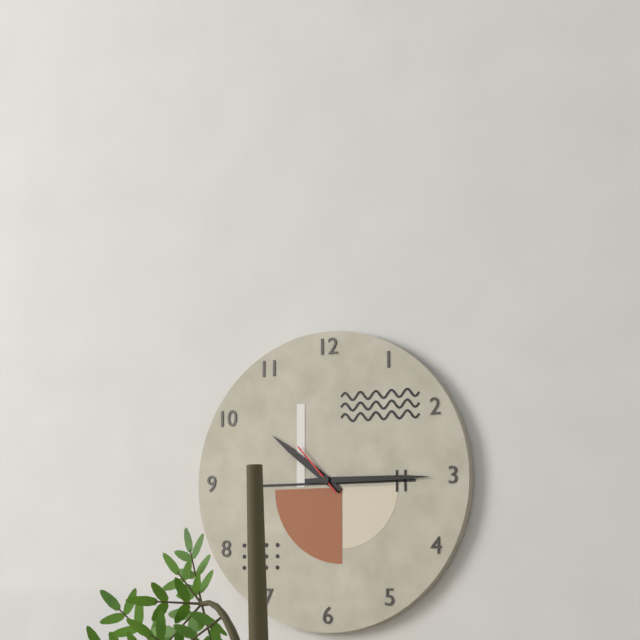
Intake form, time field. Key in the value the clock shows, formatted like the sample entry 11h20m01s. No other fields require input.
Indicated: 10h15m53s
